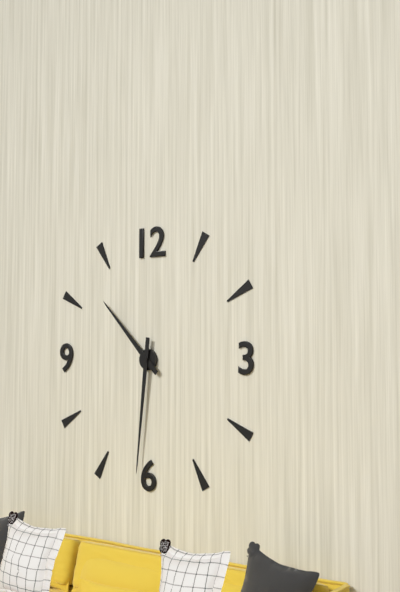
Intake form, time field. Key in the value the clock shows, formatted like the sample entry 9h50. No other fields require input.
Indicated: 10h31
